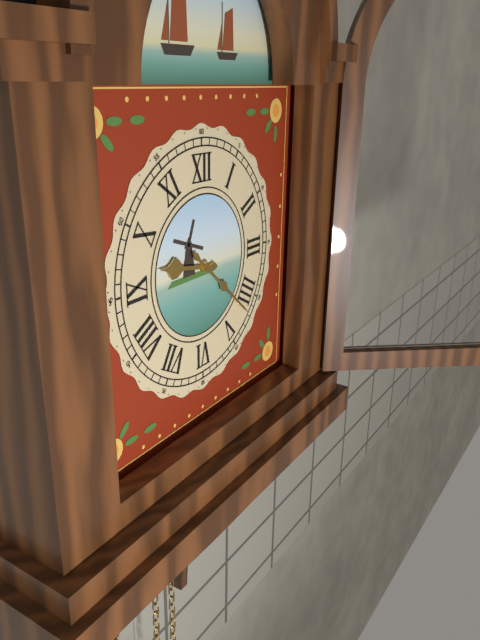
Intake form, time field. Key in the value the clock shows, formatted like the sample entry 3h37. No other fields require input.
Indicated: 9h22
